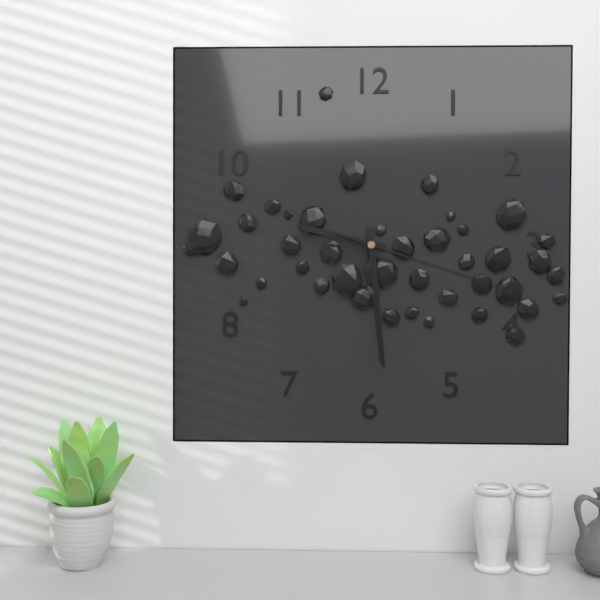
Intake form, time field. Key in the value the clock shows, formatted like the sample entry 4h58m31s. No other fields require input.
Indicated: 9h29m18s
